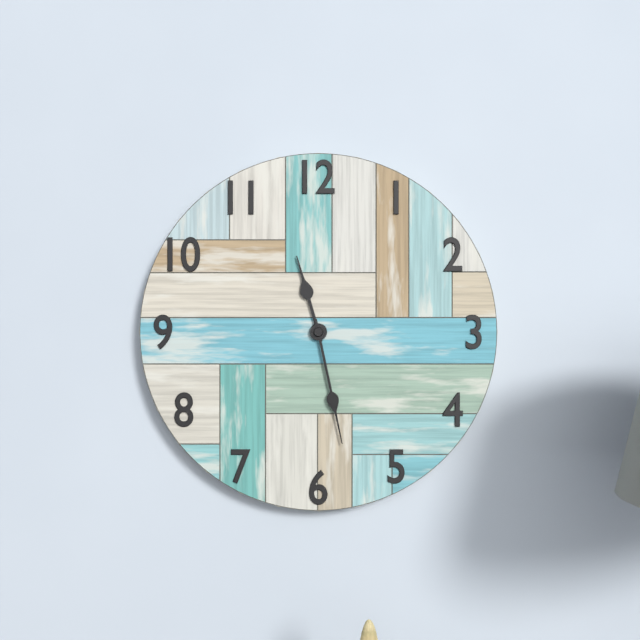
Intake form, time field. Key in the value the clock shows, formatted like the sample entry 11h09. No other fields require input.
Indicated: 11h28
